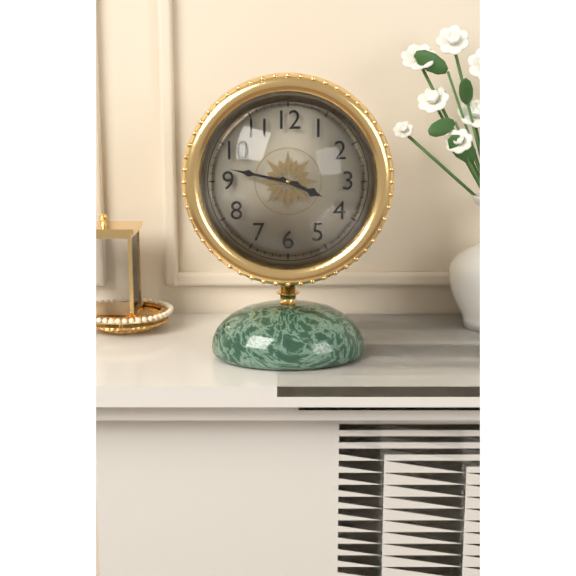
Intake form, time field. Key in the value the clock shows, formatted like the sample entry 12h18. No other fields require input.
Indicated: 3h47
